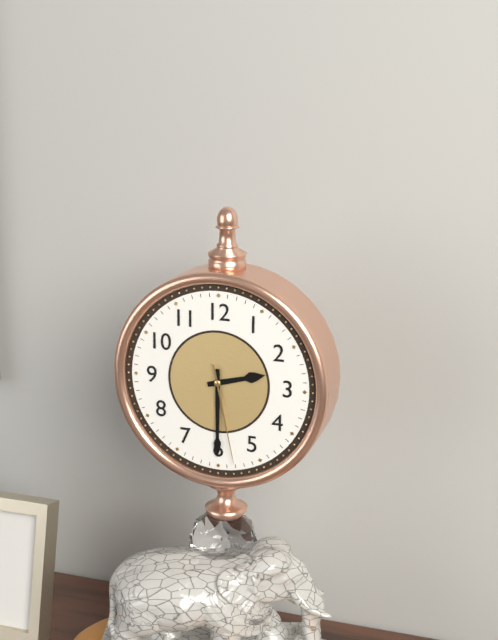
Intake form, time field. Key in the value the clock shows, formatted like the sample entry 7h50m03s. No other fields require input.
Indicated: 2h30m28s
